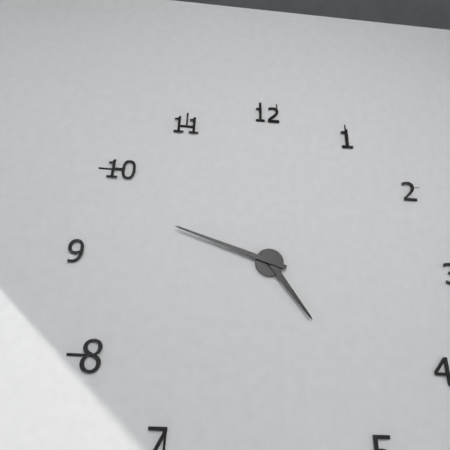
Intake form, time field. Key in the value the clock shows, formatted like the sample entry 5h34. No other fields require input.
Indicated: 4h48
